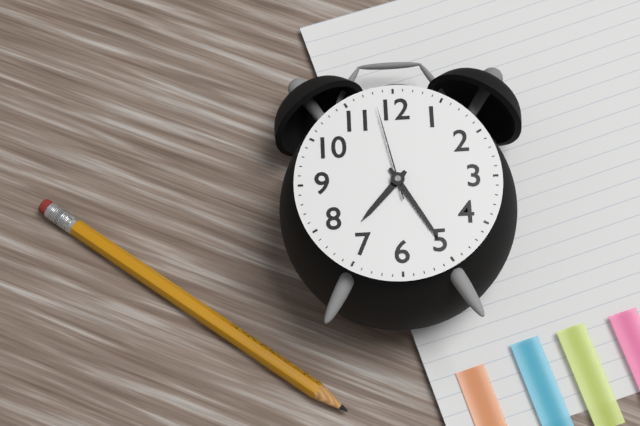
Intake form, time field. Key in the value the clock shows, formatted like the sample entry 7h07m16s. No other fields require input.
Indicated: 7h25m58s
